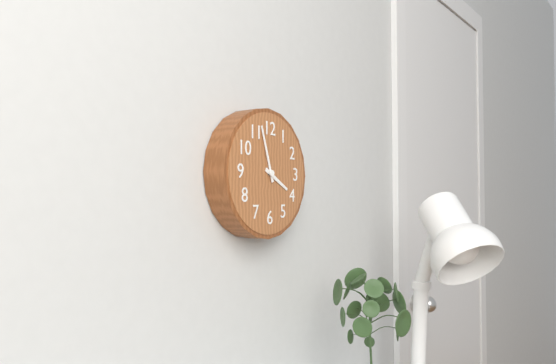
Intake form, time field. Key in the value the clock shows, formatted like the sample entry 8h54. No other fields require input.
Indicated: 3h57
